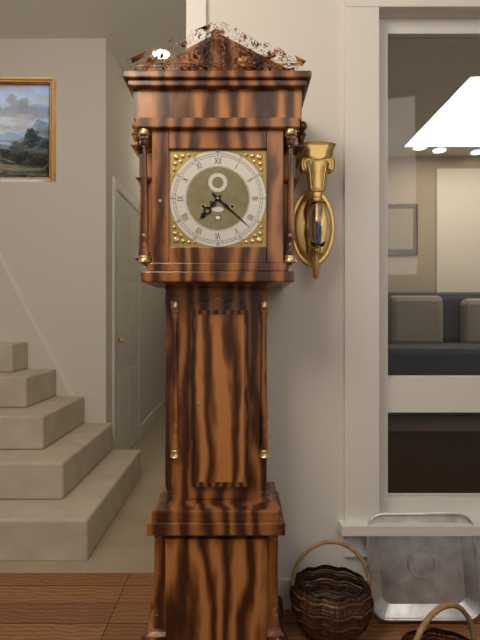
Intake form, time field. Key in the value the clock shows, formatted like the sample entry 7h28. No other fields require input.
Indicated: 7h22
